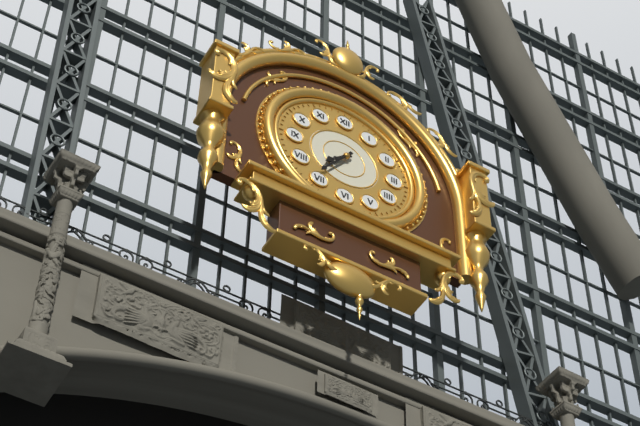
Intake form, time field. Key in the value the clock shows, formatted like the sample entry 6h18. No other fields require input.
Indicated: 7h36
